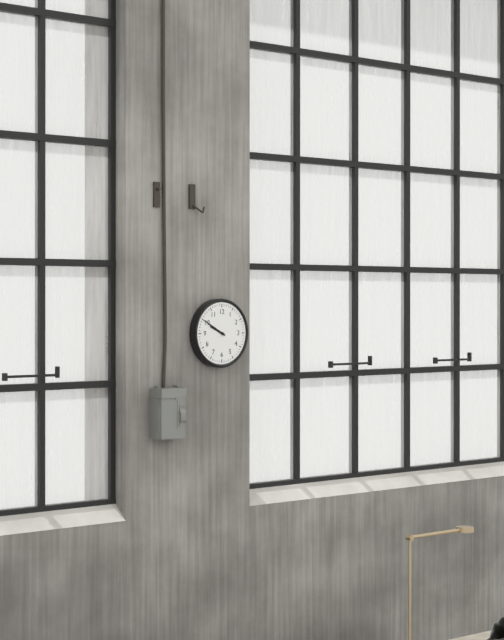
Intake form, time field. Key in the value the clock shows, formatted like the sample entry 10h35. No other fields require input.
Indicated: 9h50
